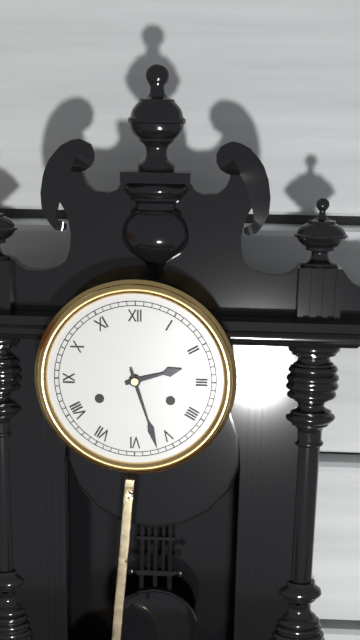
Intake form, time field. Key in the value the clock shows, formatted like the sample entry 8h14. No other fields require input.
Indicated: 2h27
